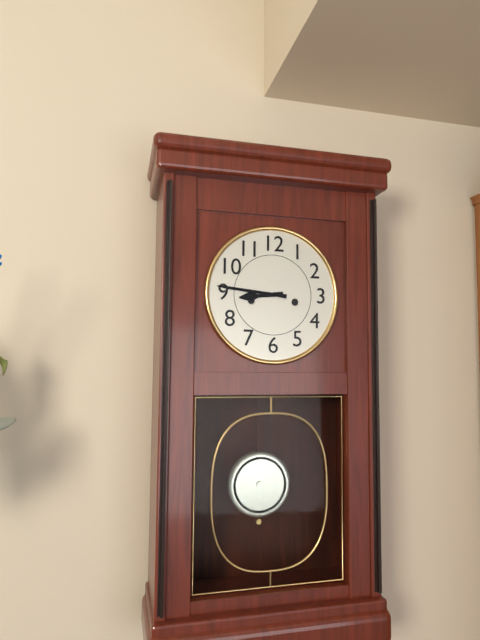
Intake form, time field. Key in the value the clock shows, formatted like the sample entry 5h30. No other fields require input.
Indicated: 8h46
